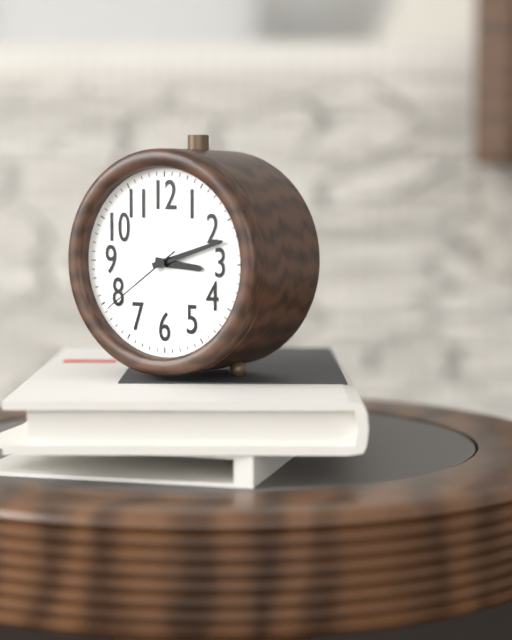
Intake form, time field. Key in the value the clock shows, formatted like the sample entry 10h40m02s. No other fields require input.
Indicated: 3h12m39s
